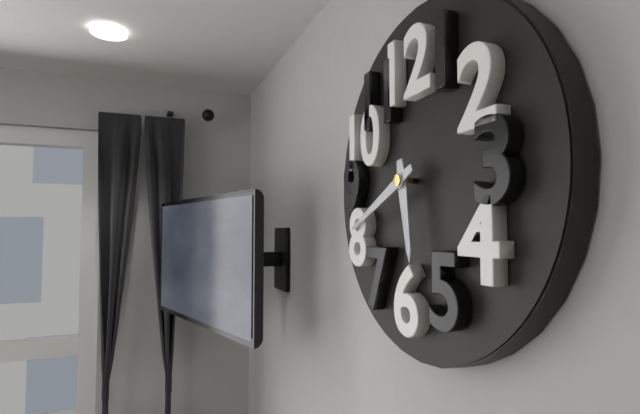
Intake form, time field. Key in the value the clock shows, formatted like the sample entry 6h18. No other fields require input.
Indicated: 5h41
